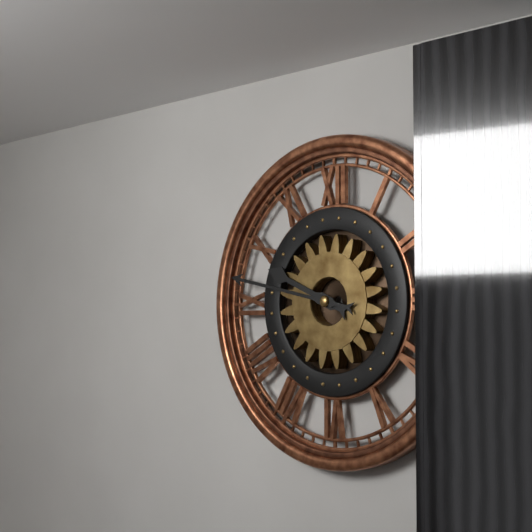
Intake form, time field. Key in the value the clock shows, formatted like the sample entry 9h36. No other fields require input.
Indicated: 9h47
